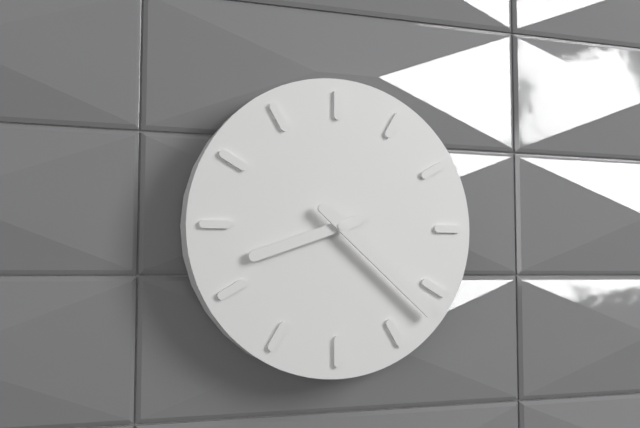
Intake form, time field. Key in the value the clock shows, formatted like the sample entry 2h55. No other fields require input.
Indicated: 8h22
